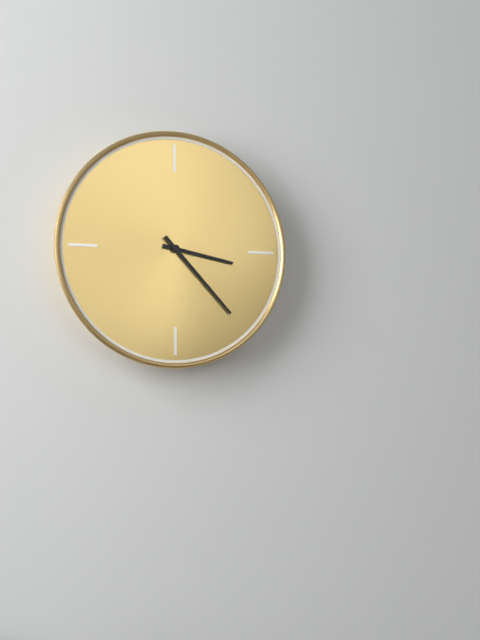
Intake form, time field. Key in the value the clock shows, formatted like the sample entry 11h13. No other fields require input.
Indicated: 3h23
